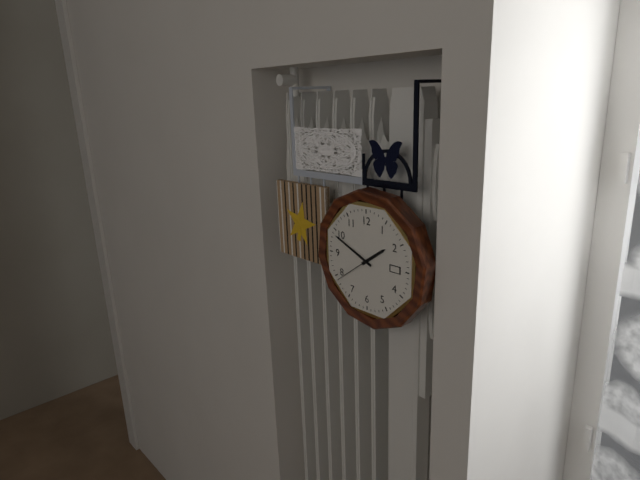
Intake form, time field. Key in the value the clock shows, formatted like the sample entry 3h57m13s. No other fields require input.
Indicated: 1h49m39s
